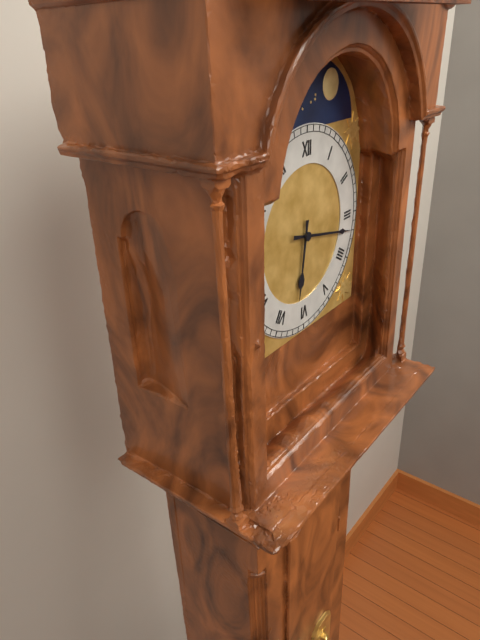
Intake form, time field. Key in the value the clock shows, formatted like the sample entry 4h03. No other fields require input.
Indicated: 6h17
